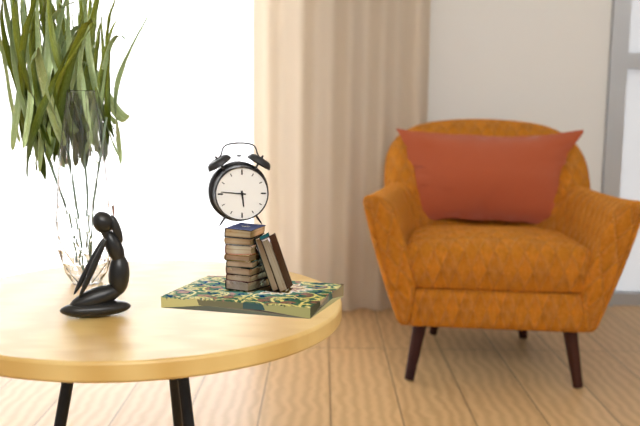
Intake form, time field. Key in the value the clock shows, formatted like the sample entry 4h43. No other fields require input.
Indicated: 5h46
